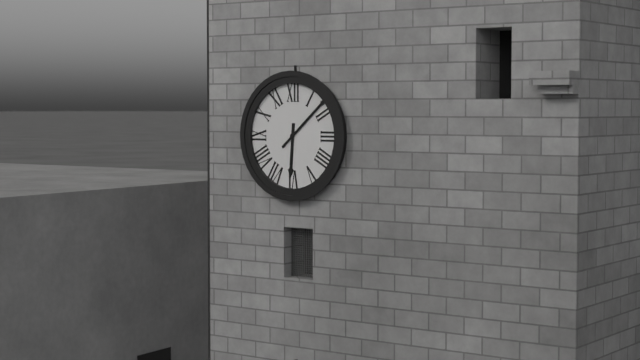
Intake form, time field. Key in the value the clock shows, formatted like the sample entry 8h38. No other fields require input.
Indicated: 6h08
